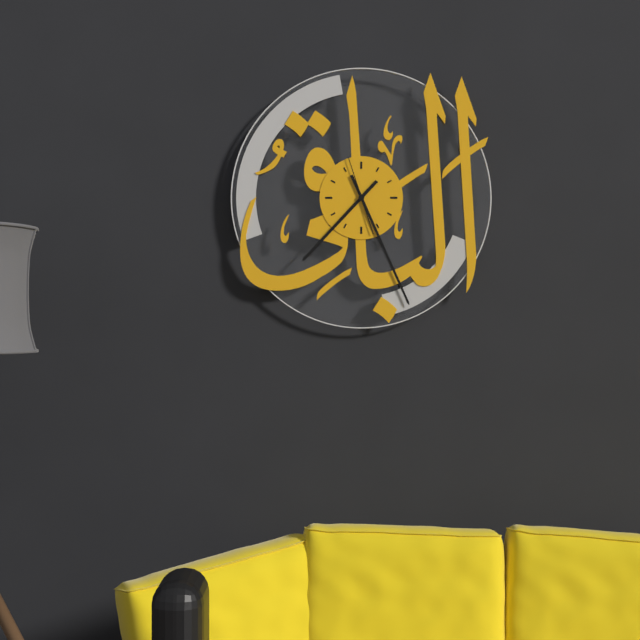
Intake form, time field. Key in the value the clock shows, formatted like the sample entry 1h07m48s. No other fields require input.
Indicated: 7h26m57s
